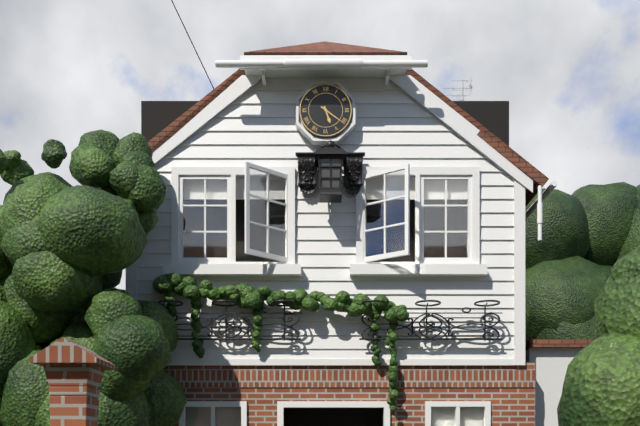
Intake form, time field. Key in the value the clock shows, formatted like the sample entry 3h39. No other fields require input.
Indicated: 5h21
